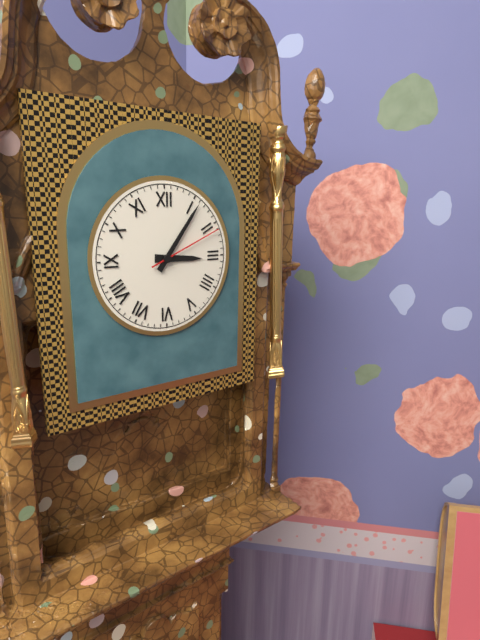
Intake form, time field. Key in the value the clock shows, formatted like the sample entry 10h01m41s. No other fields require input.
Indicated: 3h06m11s
